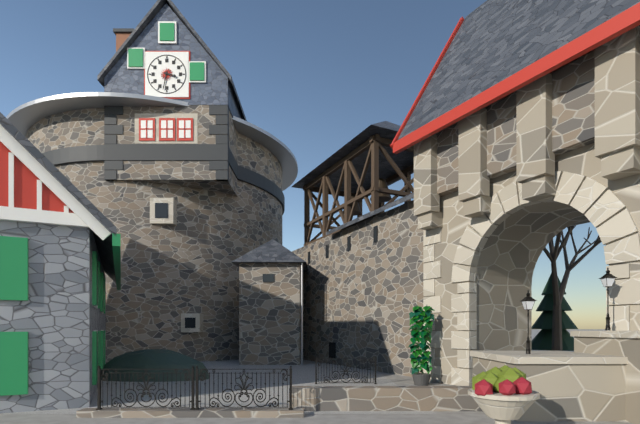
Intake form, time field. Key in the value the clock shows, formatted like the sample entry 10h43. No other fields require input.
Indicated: 3h32
